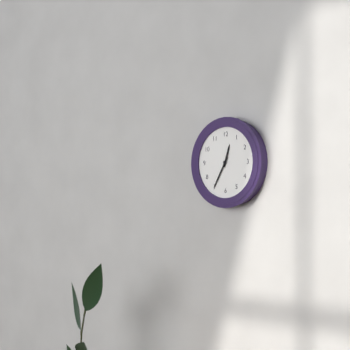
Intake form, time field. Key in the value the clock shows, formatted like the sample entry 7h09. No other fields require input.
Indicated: 12h35
